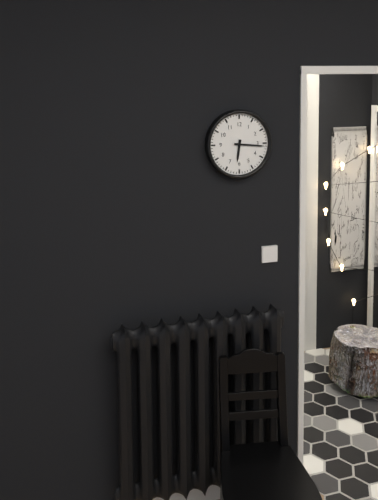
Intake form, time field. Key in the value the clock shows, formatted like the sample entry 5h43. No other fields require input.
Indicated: 6h16
